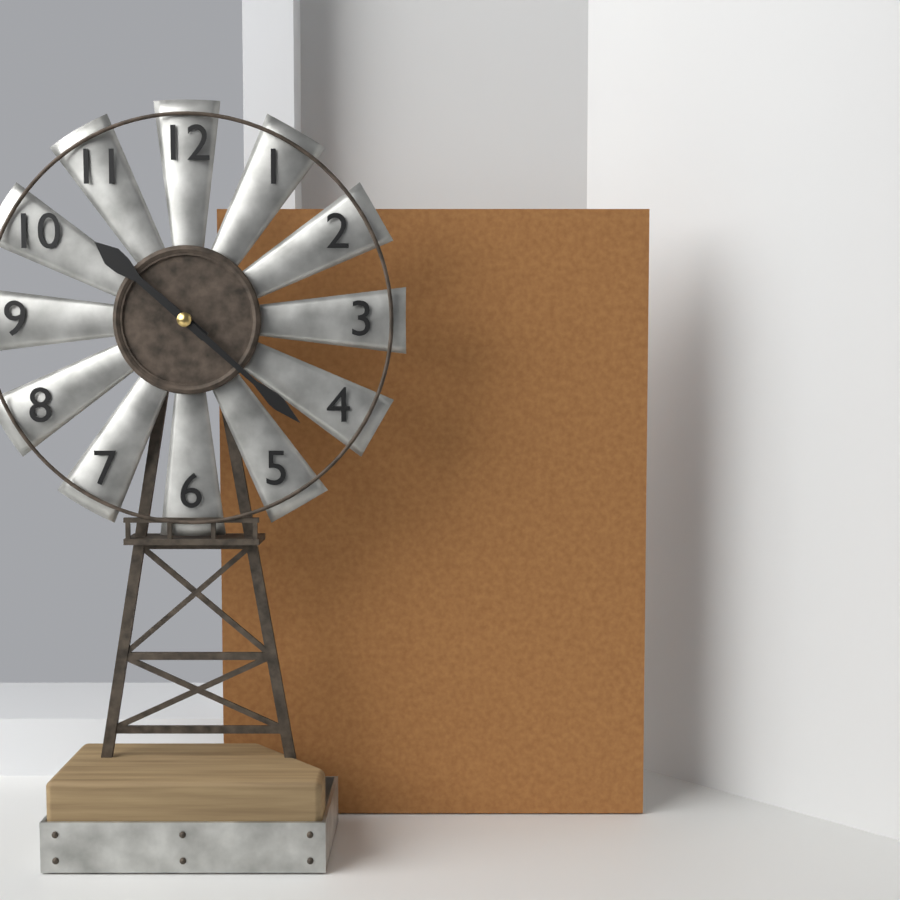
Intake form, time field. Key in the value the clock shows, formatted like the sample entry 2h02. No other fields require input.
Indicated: 10h22
